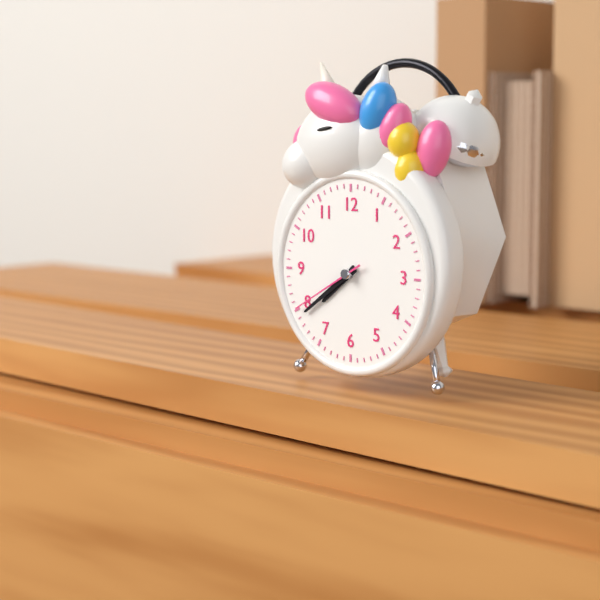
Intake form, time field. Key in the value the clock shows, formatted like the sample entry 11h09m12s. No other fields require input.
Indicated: 7h39m40s
